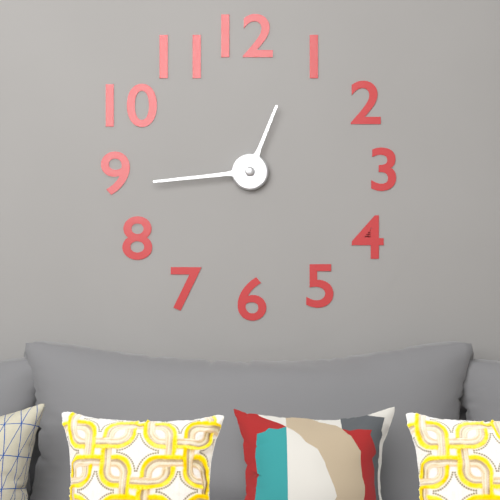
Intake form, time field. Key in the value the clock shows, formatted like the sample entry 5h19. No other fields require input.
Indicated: 12h44
